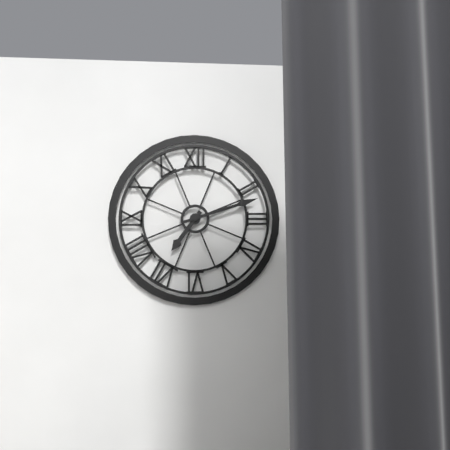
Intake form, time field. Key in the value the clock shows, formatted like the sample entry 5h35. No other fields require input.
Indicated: 7h12
